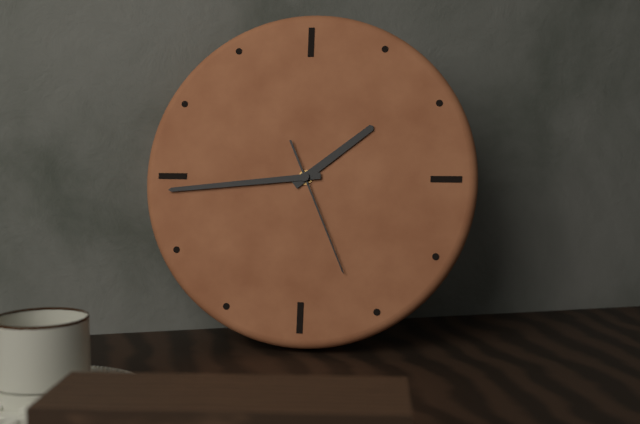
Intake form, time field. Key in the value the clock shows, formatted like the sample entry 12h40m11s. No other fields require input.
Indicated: 1h44m26s
